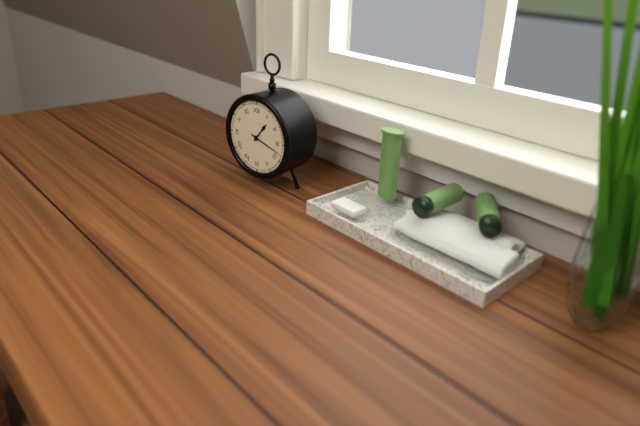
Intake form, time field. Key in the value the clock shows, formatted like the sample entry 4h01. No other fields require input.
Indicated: 1h18
